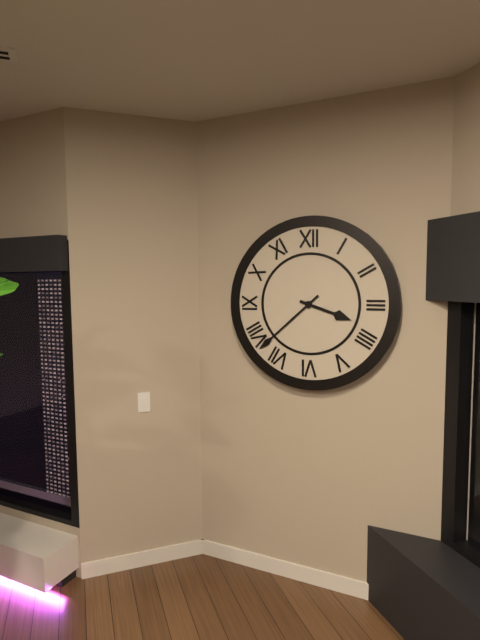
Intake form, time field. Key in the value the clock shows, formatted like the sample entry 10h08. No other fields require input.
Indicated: 3h38
